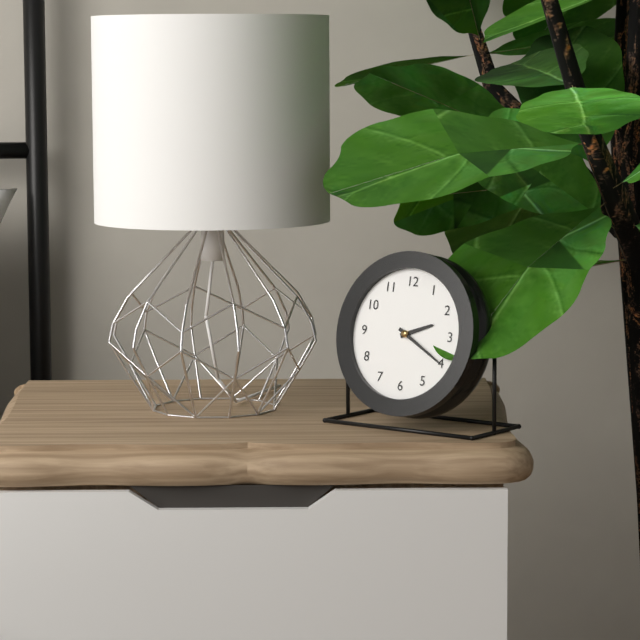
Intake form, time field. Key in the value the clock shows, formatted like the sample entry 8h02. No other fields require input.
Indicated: 2h20
